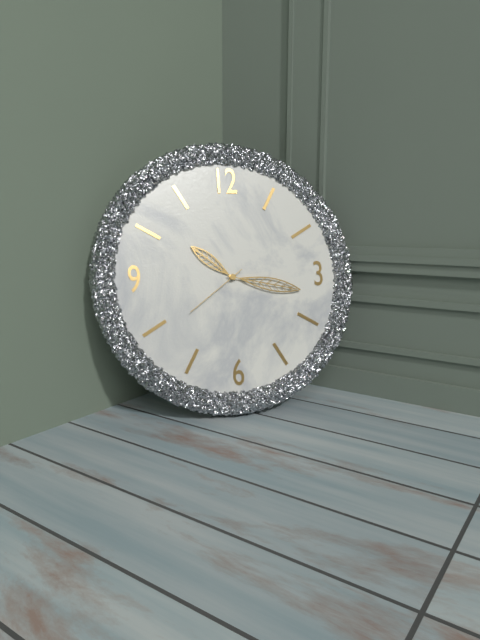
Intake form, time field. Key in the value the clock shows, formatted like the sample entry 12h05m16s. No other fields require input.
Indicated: 10h17m39s
